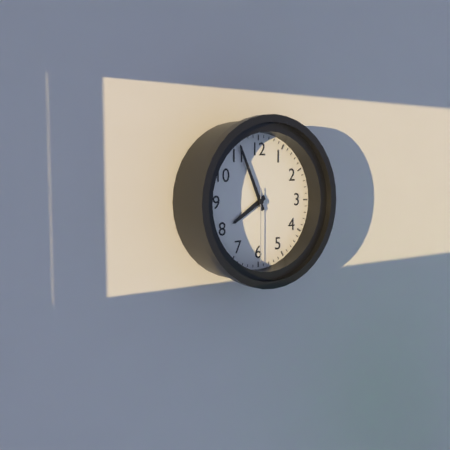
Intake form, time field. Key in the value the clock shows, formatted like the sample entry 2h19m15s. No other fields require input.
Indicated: 7h56m30s
